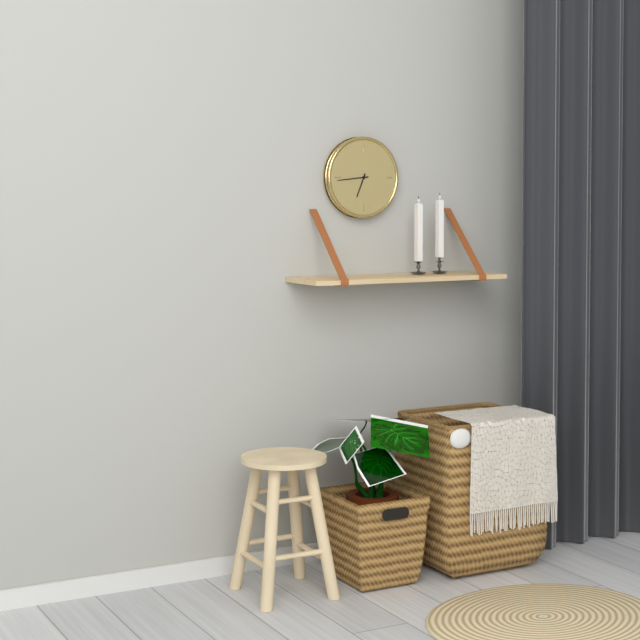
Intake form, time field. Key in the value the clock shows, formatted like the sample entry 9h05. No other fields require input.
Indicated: 6h44
